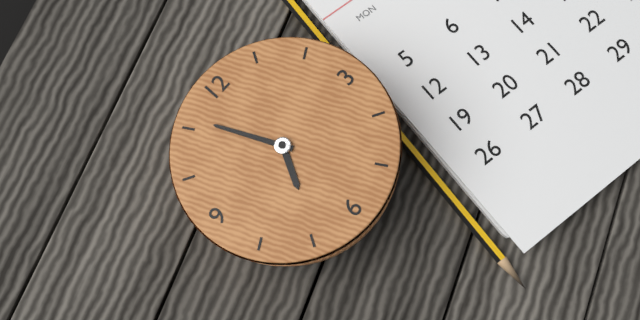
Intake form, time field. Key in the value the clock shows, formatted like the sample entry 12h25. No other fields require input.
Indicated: 6h56
